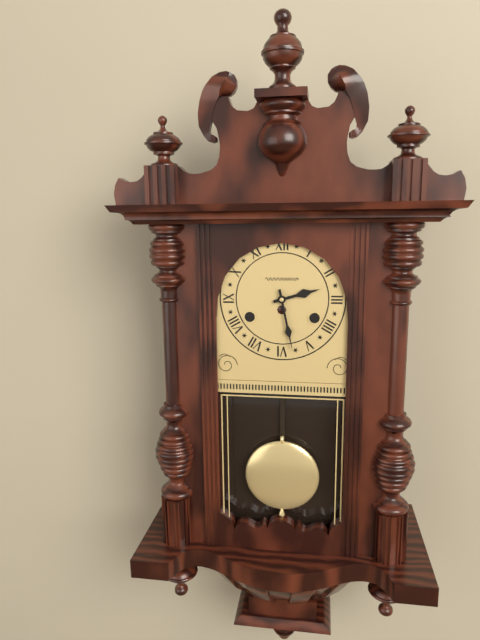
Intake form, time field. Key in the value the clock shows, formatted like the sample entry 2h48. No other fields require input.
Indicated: 2h28
